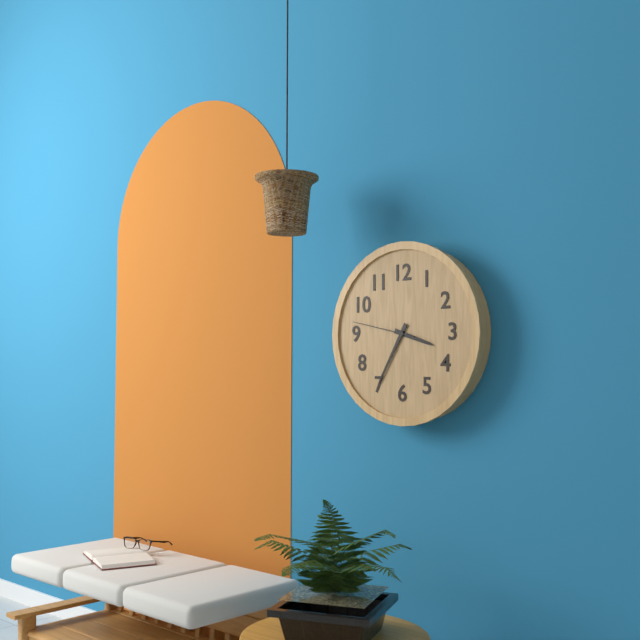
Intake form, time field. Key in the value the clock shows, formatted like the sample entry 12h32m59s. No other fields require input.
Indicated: 3h35m47s
